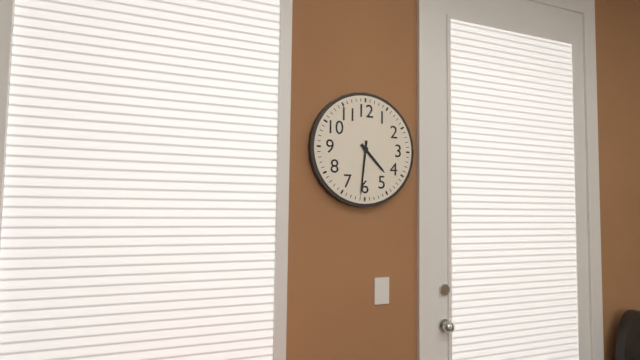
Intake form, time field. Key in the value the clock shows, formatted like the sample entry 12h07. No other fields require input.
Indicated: 4h31
